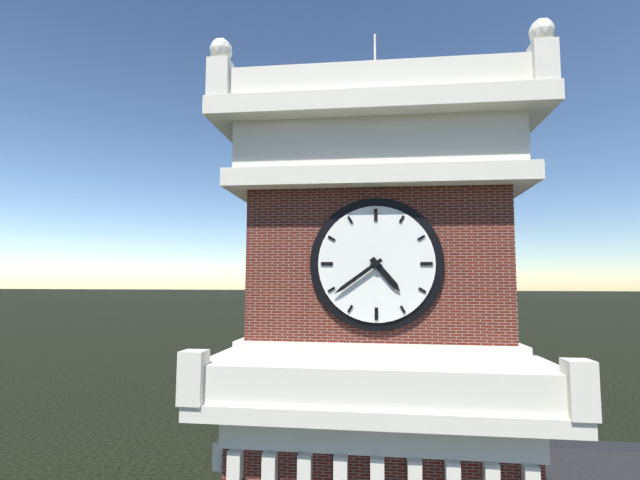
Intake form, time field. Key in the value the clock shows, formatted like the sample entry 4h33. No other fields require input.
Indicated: 4h39
